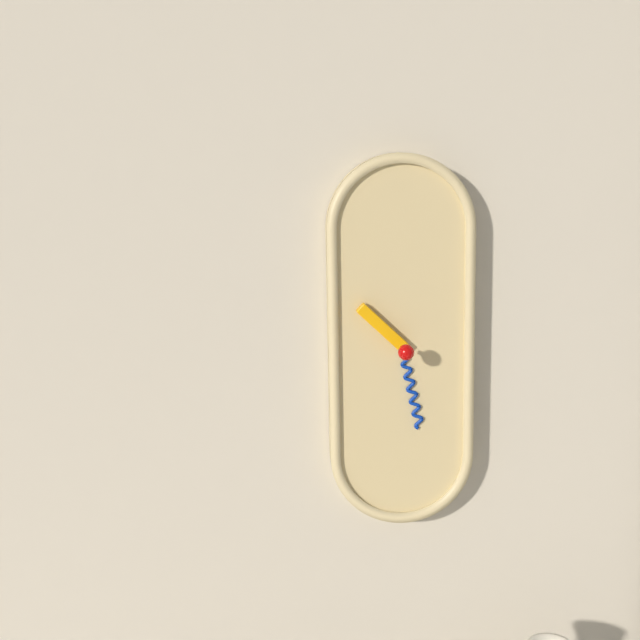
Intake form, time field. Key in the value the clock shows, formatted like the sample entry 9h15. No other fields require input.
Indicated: 10h28
